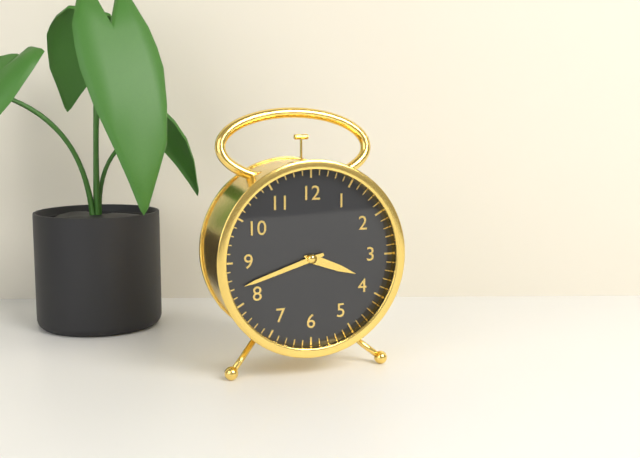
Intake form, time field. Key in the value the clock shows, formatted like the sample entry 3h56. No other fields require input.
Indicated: 3h42
